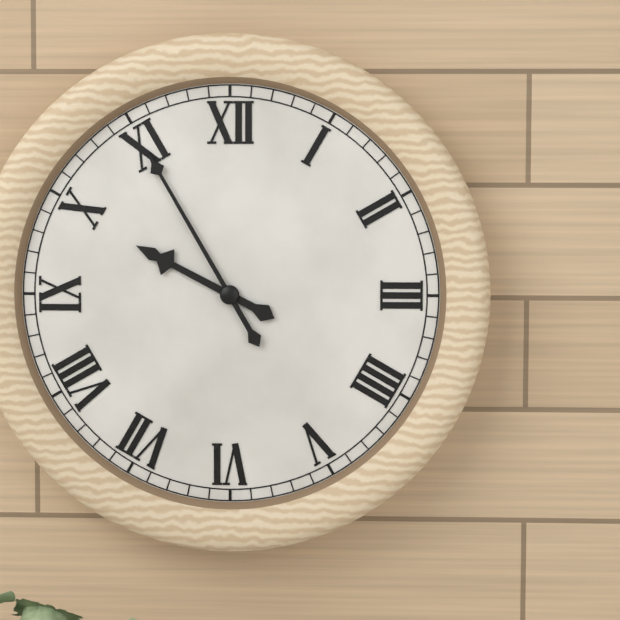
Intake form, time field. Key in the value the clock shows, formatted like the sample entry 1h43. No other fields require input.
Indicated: 9h55
